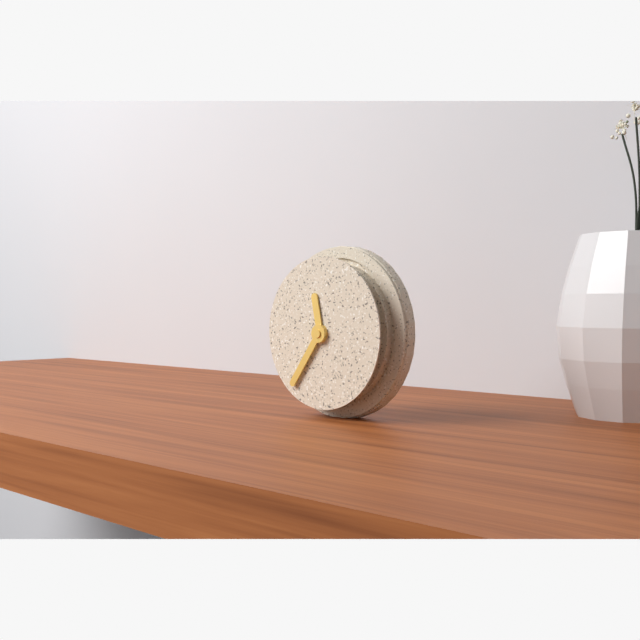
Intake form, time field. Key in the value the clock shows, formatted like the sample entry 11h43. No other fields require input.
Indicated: 11h36
